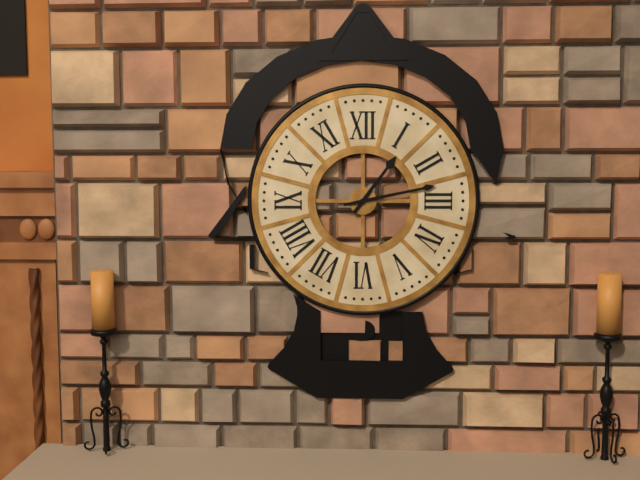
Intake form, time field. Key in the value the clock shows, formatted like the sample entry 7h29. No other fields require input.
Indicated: 1h13
